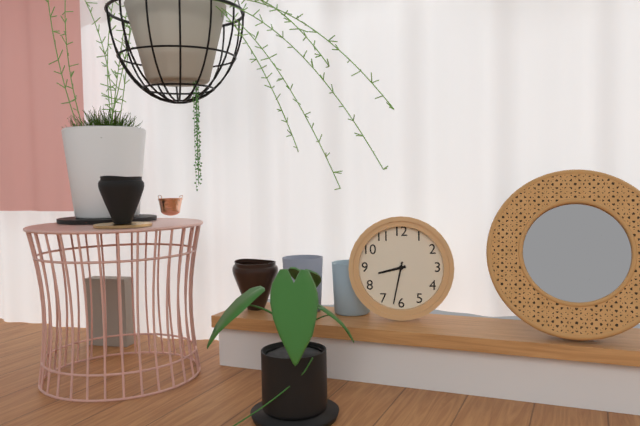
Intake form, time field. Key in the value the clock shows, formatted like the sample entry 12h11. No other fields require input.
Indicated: 8h32
